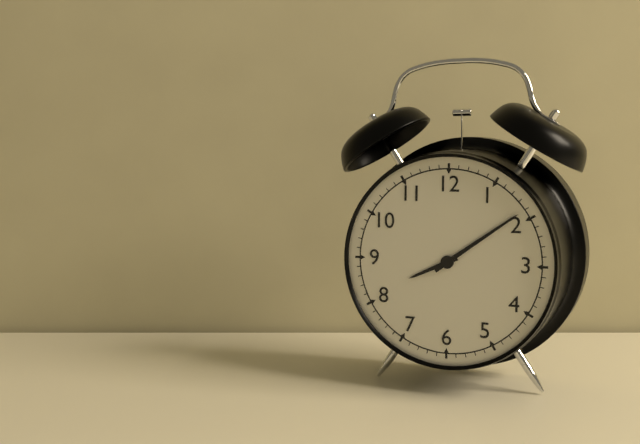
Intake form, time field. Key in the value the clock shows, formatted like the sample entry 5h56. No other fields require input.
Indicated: 8h09
